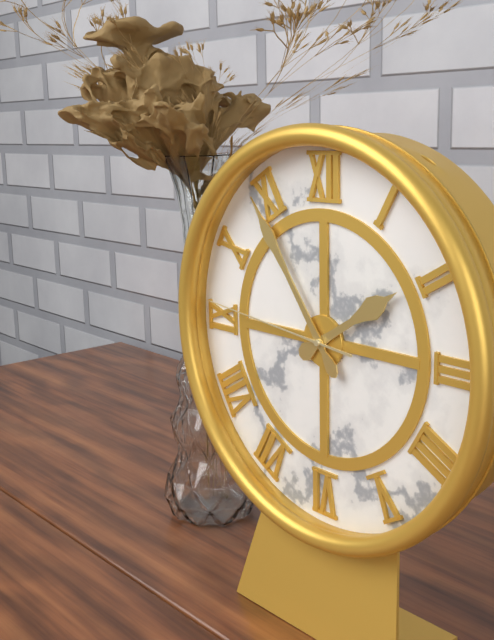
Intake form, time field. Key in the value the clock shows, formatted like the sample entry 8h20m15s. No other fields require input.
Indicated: 1h54m46s
